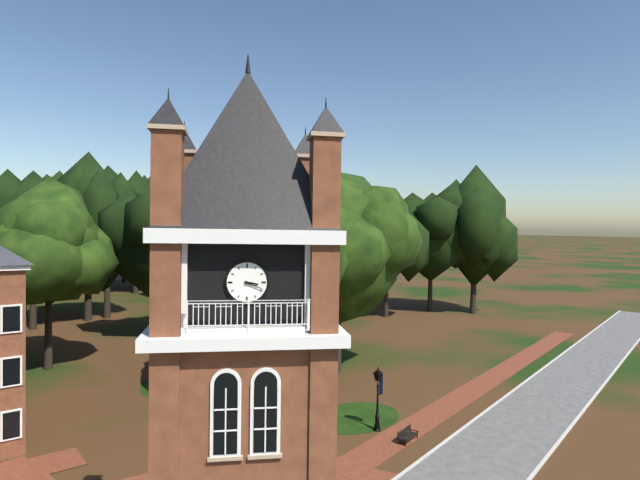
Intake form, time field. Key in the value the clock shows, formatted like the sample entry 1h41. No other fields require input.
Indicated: 3h19
